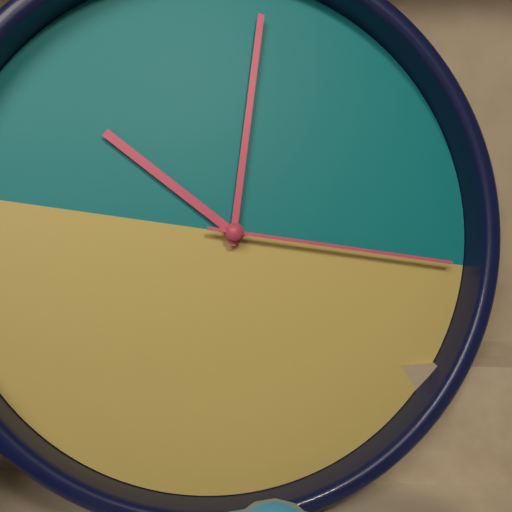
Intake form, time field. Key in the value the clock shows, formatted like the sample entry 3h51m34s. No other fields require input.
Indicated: 10h00m15s
